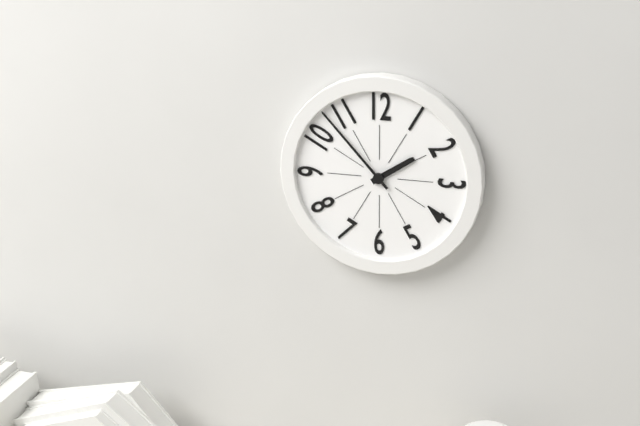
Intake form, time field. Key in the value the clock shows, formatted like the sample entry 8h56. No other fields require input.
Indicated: 1h53
